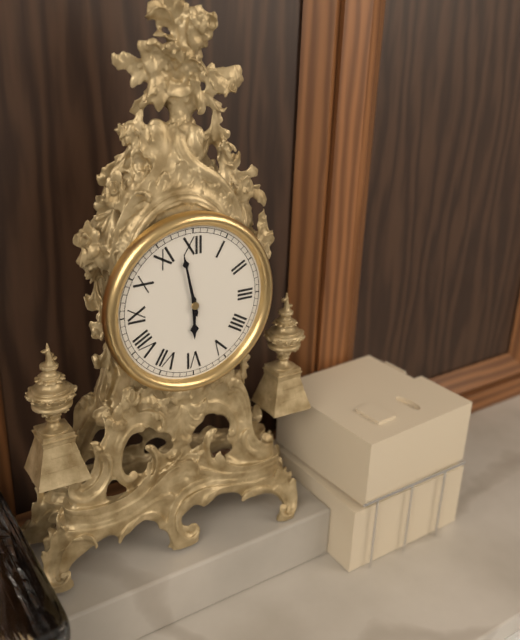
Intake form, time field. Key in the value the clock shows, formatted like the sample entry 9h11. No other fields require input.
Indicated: 5h58
